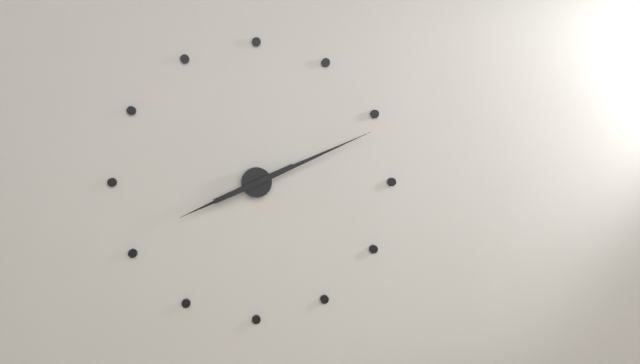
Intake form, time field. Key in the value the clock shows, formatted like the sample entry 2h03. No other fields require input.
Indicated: 8h11
